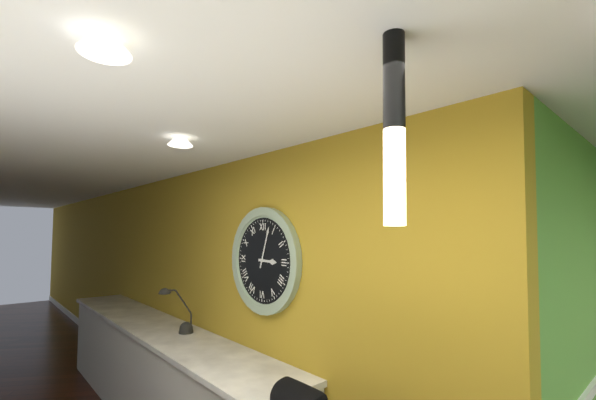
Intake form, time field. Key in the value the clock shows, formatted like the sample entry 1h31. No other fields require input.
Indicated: 3h03
